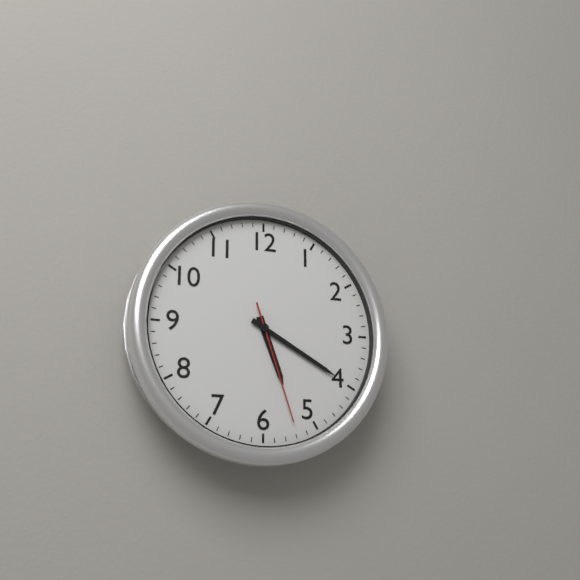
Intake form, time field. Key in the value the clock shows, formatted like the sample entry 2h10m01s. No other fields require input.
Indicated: 5h20m27s
